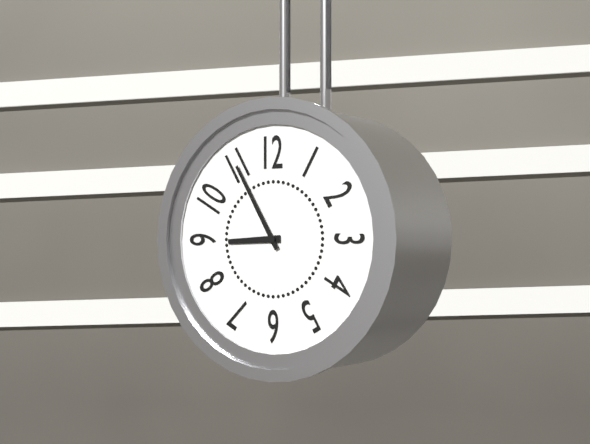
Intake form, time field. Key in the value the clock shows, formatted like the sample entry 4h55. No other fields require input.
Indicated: 8h55
